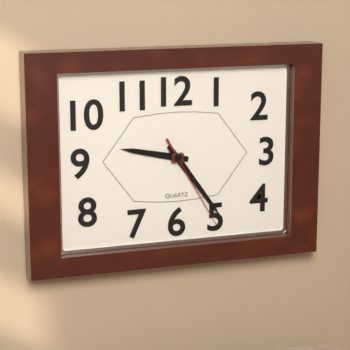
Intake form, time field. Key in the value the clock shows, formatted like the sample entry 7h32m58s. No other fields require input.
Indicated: 9h24m25s
